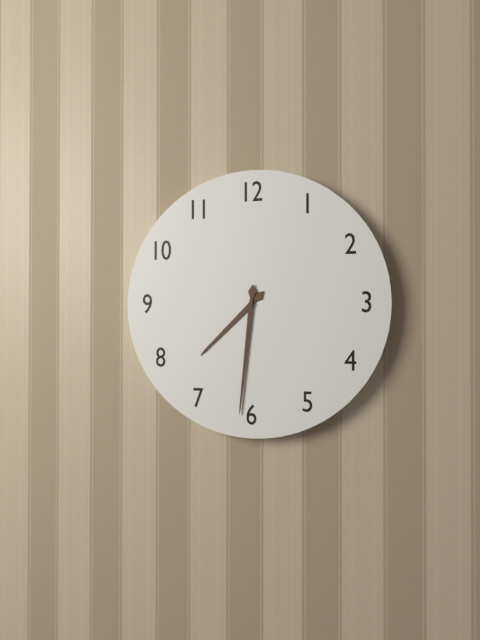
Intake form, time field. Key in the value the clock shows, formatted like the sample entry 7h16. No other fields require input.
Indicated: 7h31
